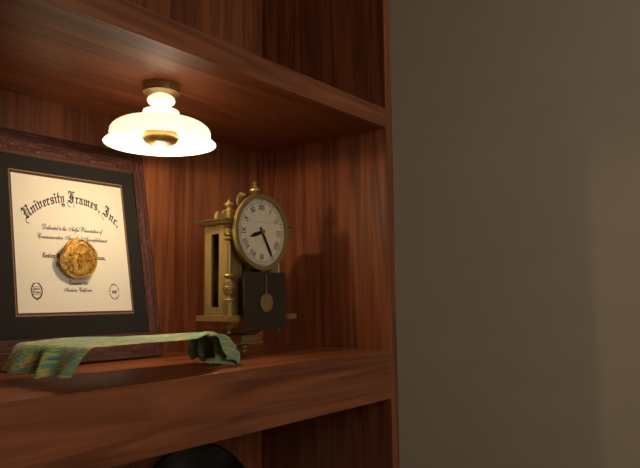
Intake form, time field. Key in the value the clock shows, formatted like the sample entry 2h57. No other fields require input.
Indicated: 8h25
